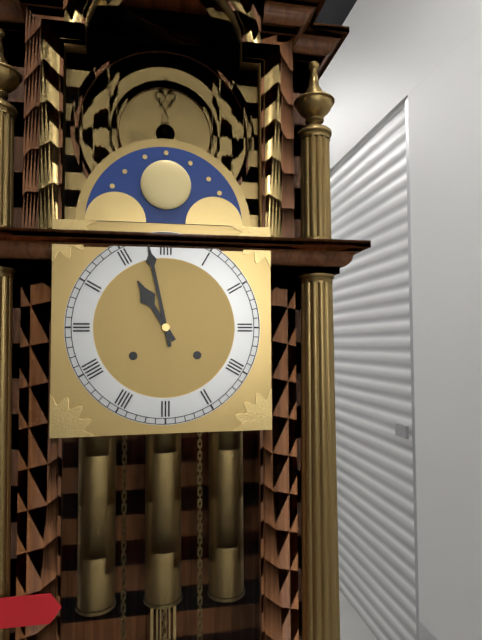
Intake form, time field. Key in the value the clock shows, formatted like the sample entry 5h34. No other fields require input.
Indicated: 10h58
